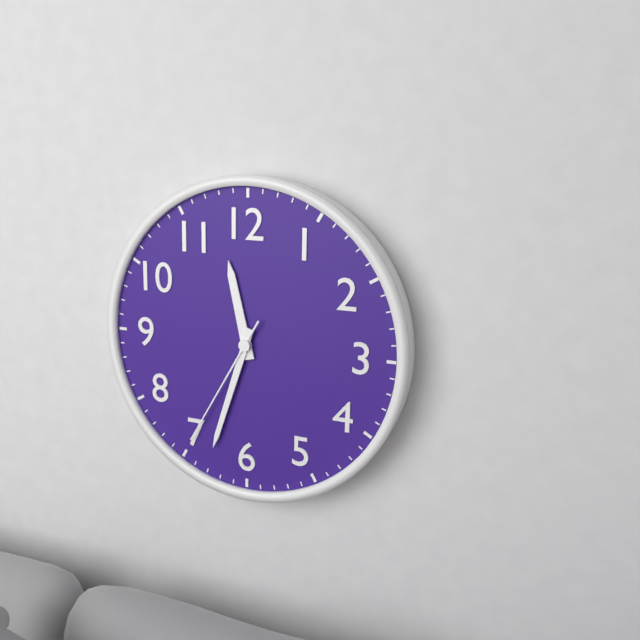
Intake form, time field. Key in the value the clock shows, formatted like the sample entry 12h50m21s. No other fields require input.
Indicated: 11h33m35s
